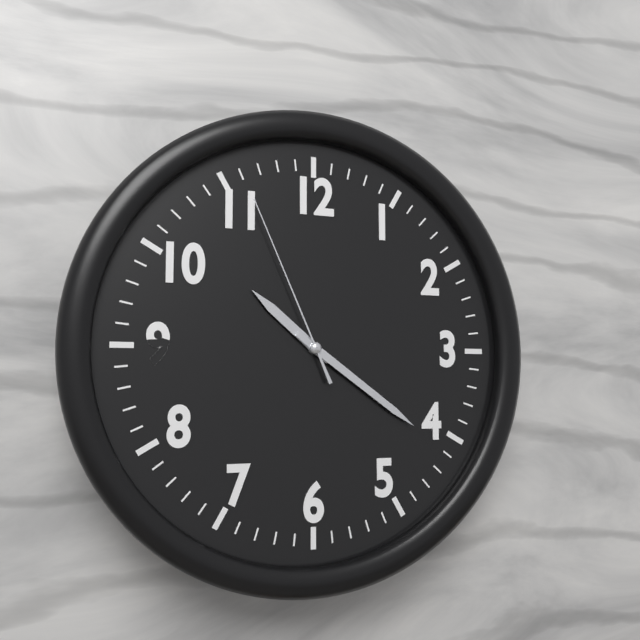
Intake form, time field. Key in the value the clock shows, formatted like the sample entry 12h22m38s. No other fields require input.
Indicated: 10h21m56s
